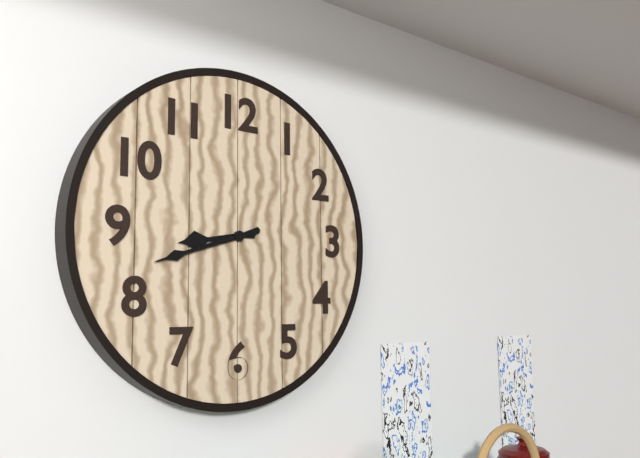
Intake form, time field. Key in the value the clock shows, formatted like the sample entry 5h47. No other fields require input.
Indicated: 8h42
